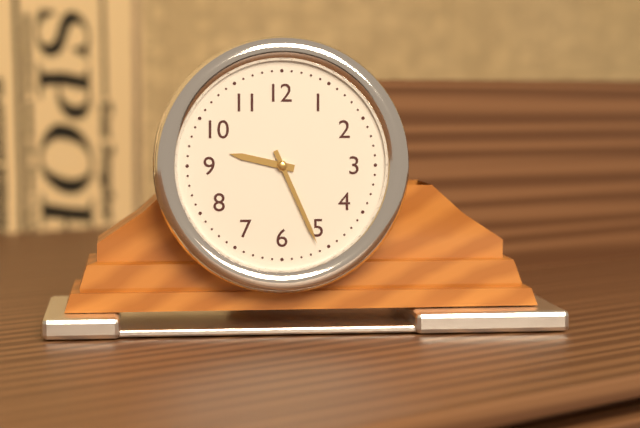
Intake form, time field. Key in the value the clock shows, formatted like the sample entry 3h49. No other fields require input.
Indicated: 9h26
